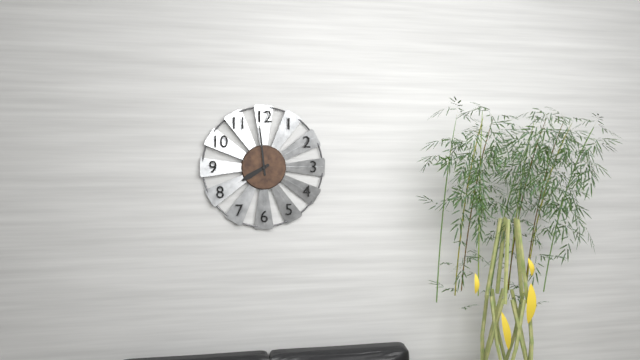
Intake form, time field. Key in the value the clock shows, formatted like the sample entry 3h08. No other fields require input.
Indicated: 7h59
